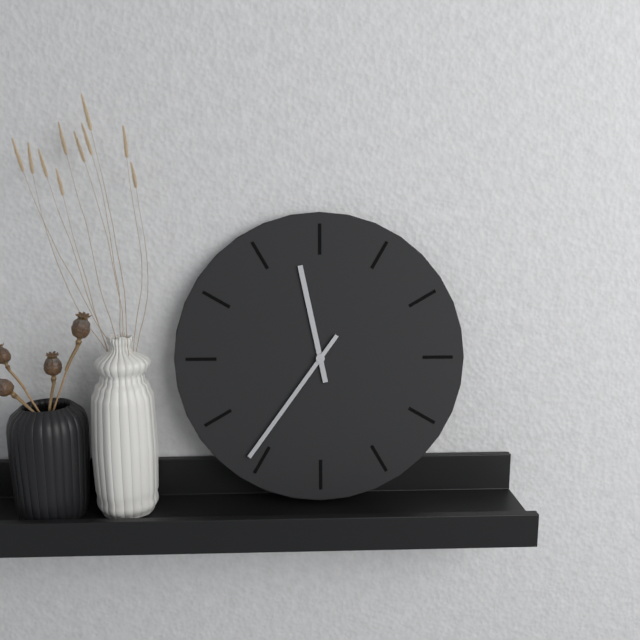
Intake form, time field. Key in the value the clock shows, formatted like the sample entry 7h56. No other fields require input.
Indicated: 11h36
